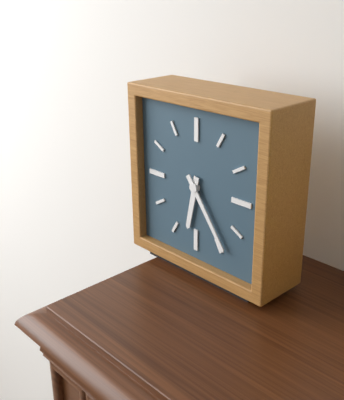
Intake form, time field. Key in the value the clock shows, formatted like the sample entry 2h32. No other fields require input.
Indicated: 6h24
